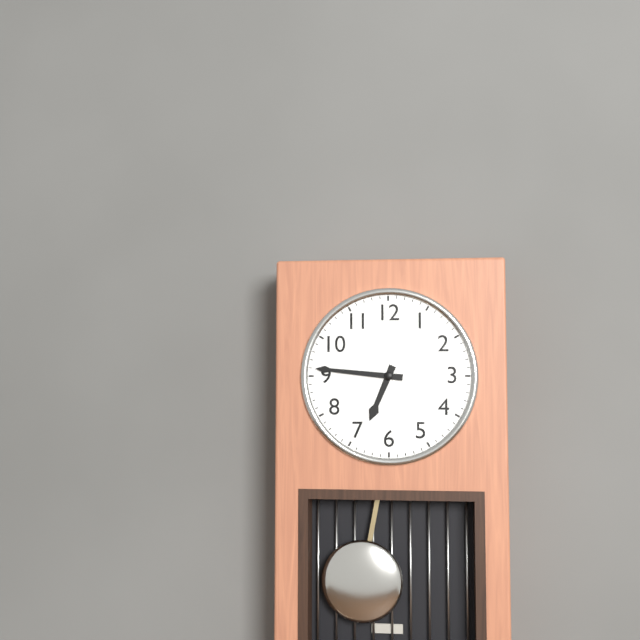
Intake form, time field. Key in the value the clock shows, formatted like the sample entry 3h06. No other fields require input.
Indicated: 6h46
